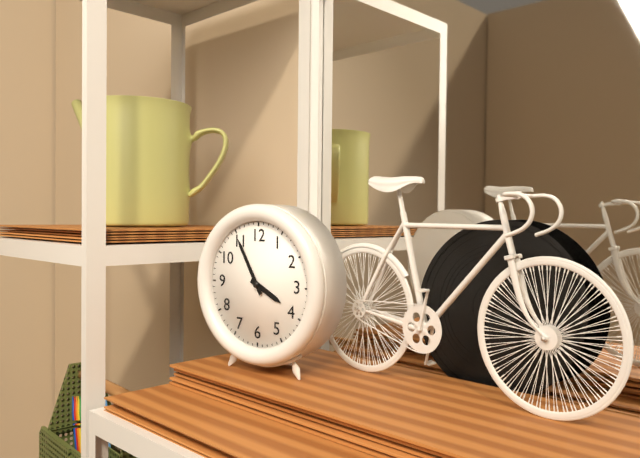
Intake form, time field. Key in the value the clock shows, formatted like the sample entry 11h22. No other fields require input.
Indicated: 3h55
